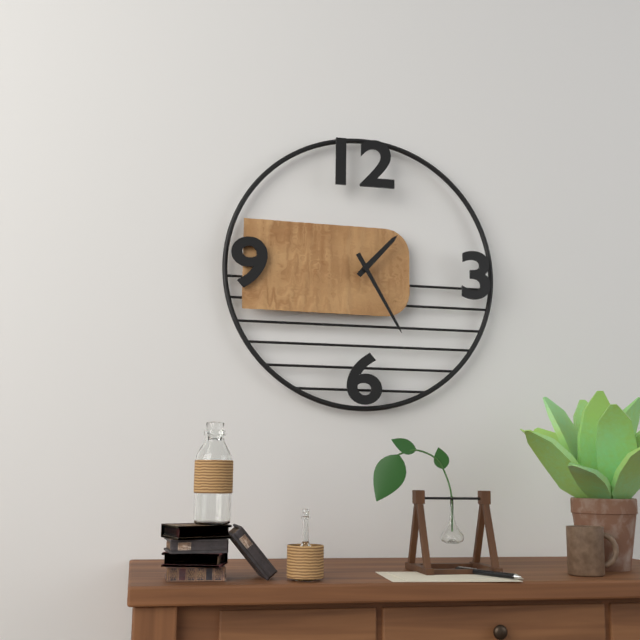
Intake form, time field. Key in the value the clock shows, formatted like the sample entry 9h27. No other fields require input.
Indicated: 1h25
